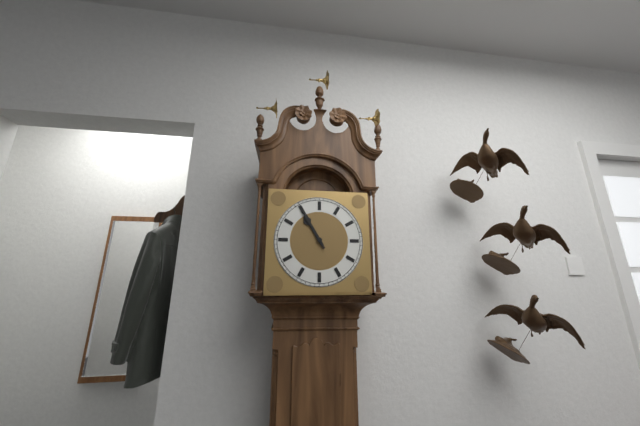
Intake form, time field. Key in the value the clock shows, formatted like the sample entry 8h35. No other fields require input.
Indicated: 10h55
